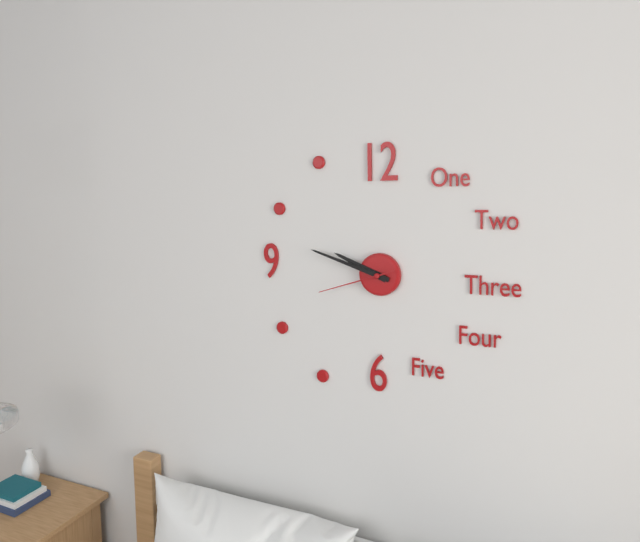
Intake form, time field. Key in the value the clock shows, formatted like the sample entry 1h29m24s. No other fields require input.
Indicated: 9h48m42s
